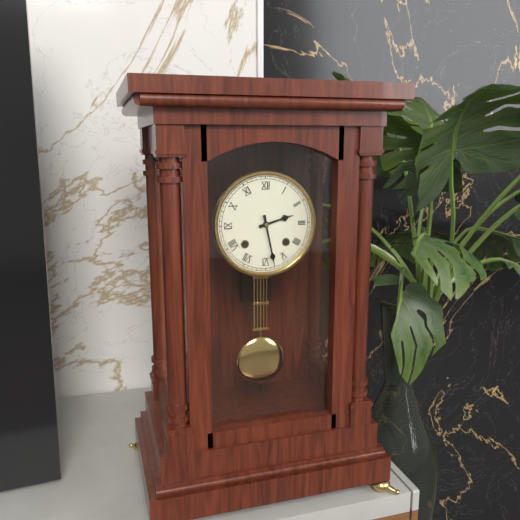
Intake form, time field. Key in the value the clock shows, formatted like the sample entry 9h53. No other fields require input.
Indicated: 2h28
